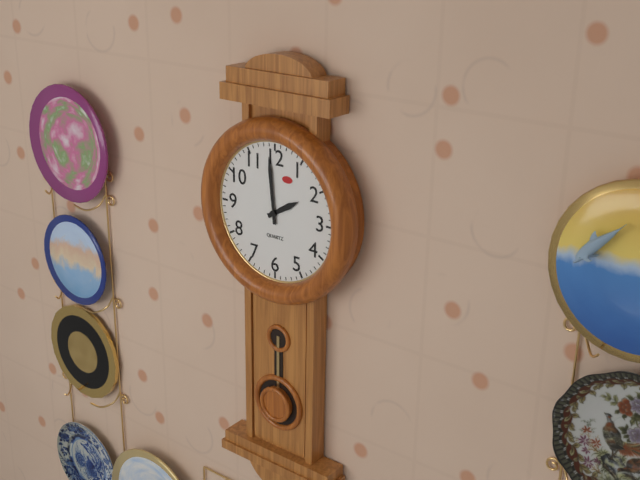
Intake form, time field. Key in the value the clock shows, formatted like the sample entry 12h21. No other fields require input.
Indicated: 1h59
